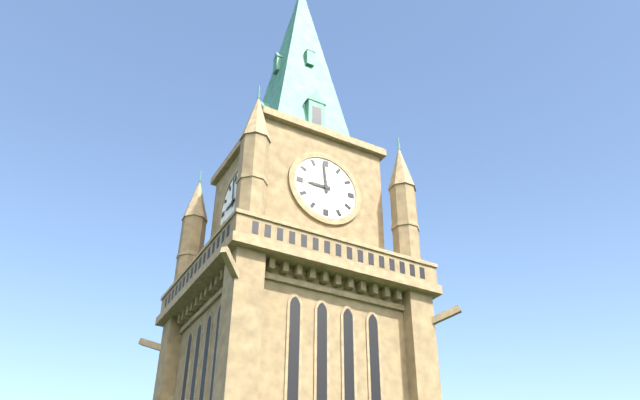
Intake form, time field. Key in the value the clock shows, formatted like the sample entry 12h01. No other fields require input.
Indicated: 8h59
